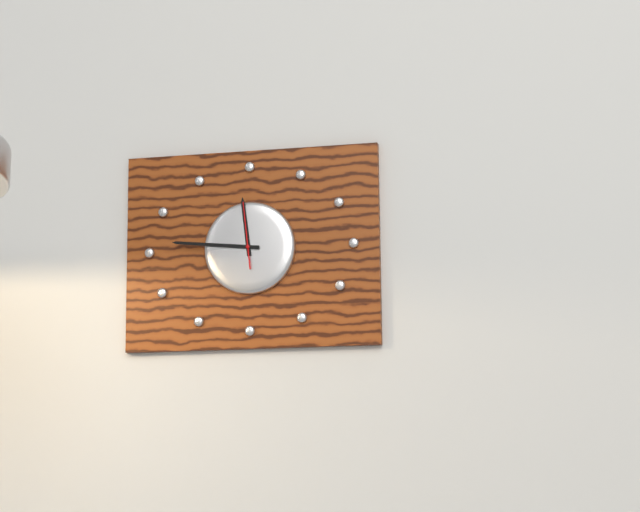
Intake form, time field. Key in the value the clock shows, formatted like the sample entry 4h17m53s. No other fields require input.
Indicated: 11h46m59s
